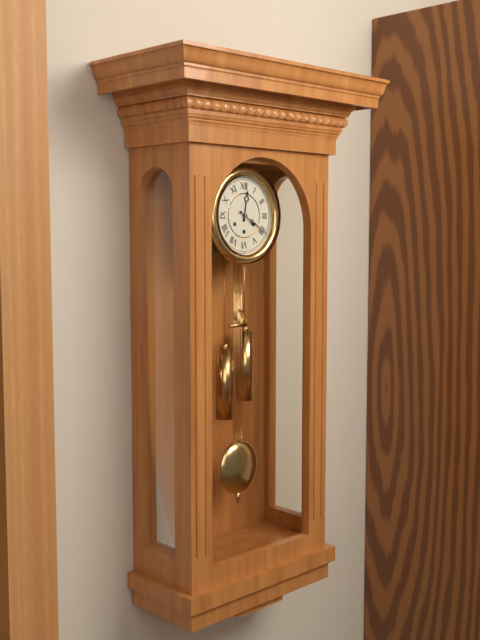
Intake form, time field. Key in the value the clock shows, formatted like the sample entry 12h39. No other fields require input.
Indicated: 12h20
